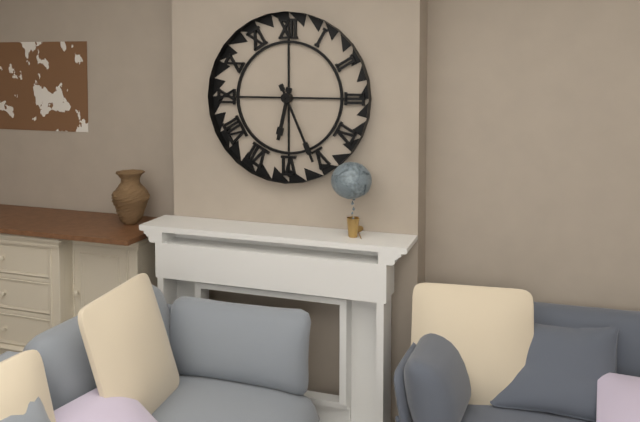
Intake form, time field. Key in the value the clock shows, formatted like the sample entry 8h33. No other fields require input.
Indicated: 6h26
